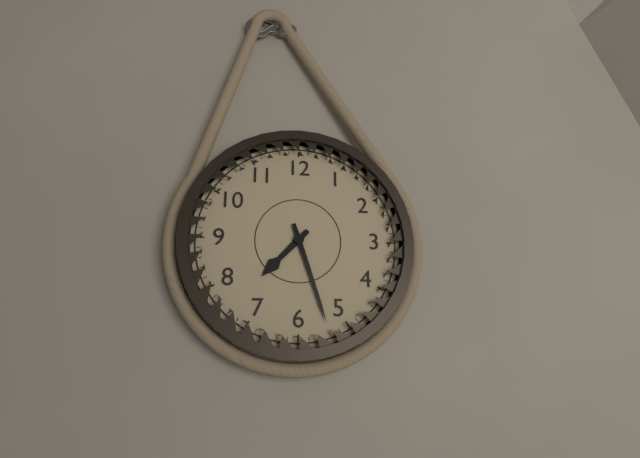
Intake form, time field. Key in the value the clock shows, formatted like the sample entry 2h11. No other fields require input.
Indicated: 7h27
